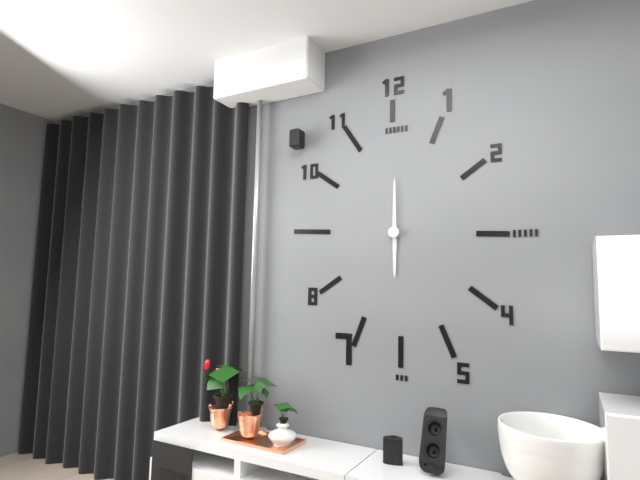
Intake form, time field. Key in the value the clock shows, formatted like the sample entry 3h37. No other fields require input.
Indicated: 6h00
